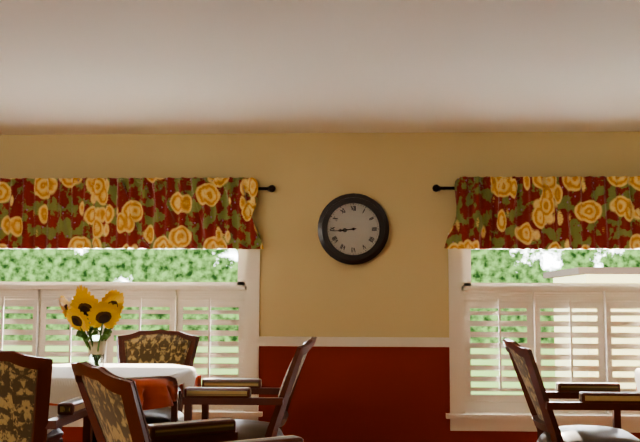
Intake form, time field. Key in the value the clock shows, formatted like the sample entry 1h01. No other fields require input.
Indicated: 8h44
